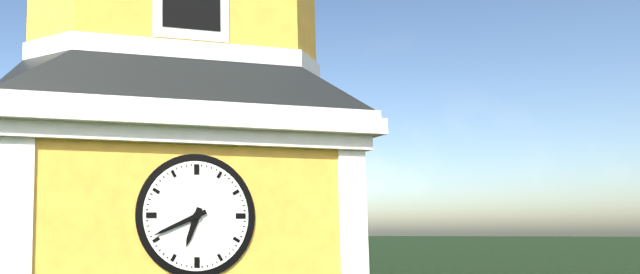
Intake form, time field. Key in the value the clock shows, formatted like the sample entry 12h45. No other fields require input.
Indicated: 6h41
